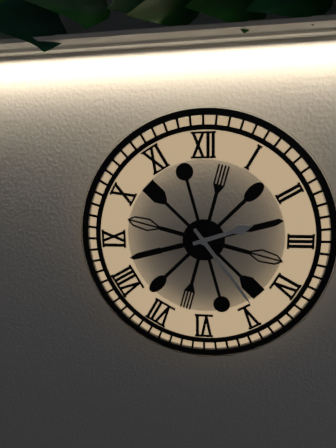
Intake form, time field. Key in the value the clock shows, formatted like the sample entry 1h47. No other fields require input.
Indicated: 2h24
